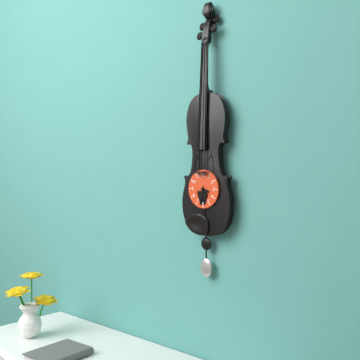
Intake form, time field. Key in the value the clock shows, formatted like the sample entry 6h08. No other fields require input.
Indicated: 3h32
